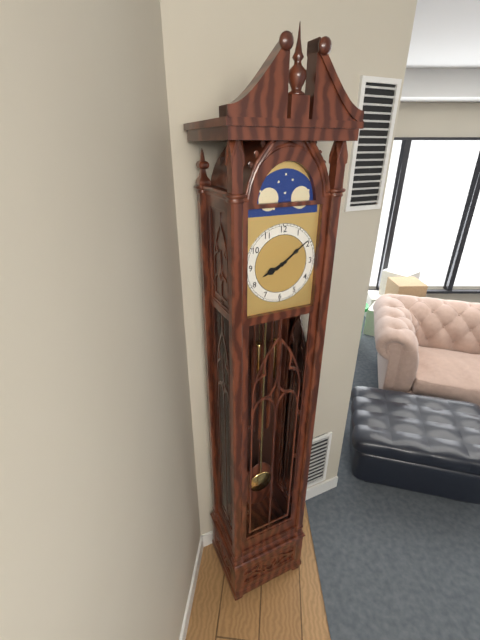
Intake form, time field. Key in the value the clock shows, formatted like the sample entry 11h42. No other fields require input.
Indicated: 8h09
